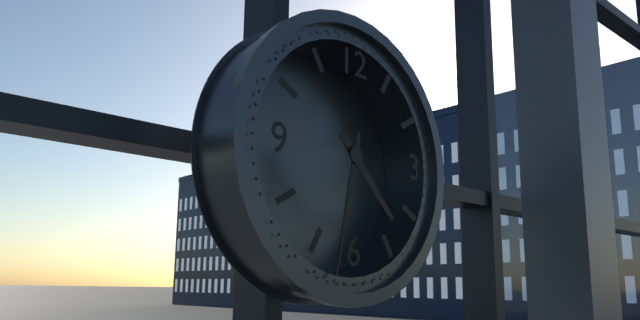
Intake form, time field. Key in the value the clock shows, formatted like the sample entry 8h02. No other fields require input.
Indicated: 4h32
